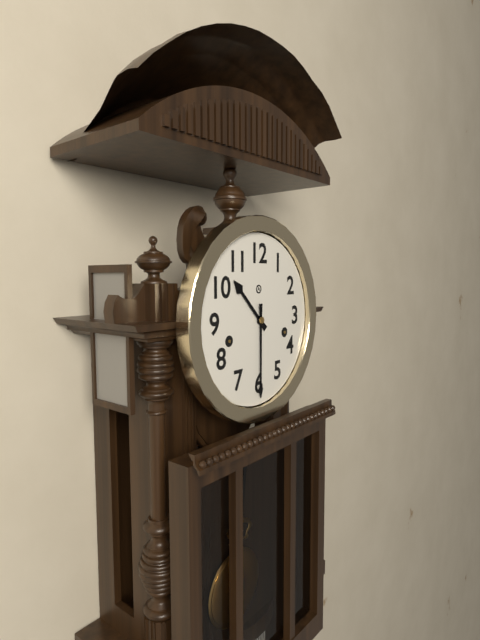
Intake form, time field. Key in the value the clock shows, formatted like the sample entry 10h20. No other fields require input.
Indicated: 10h30
